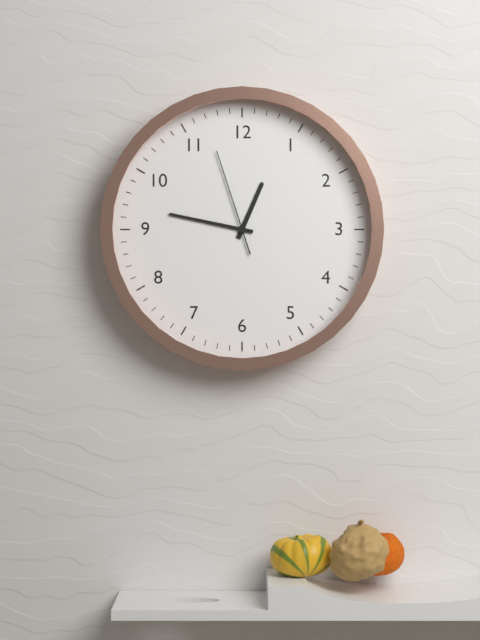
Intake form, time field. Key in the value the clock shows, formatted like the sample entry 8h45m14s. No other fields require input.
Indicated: 12h47m57s
